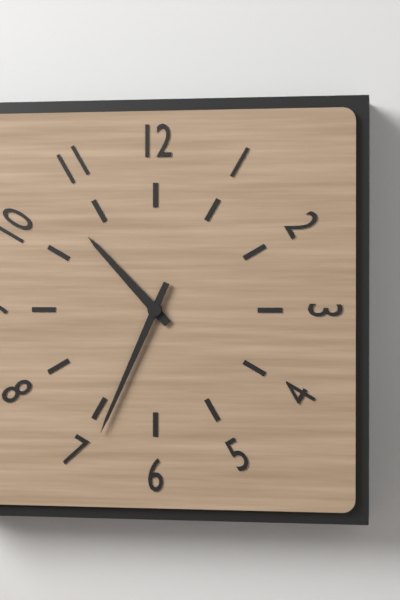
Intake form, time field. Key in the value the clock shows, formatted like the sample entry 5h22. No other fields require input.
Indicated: 10h34
